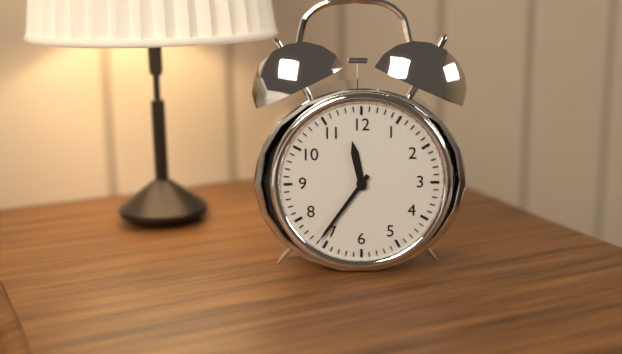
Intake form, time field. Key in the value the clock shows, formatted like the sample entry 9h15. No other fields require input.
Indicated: 11h36
